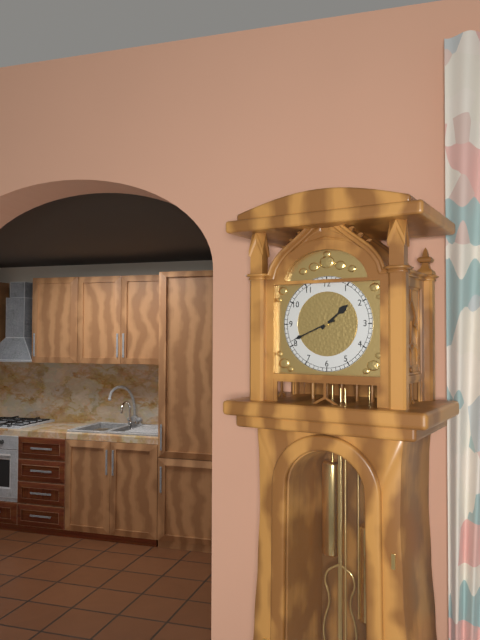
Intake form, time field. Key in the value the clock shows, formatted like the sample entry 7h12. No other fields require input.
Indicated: 1h41
